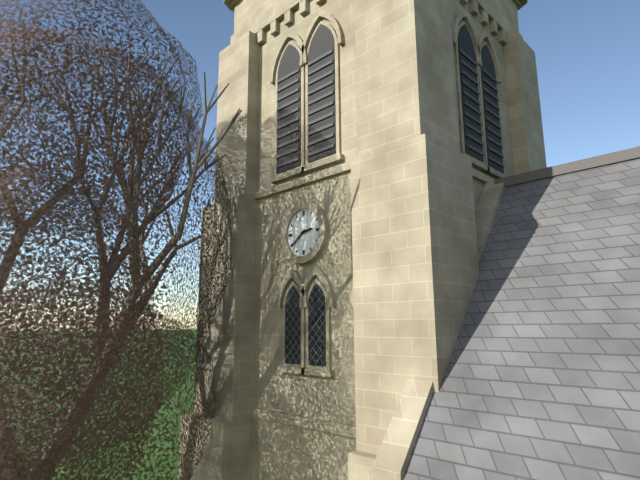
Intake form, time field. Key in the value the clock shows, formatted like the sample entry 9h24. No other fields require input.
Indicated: 2h39
